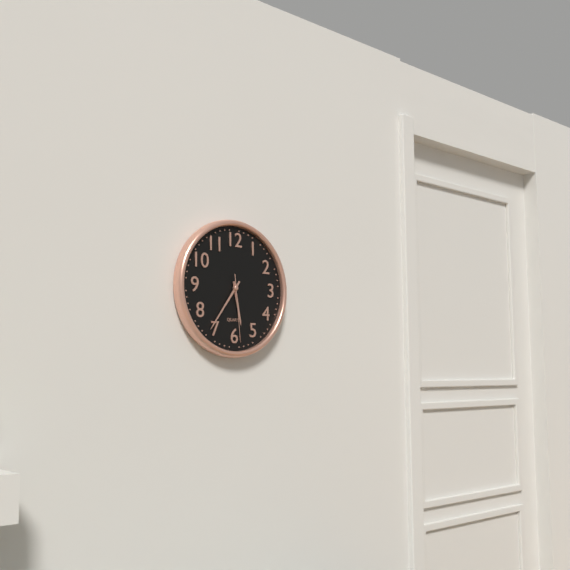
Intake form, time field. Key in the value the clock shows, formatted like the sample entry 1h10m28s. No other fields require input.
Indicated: 5h36m29s
